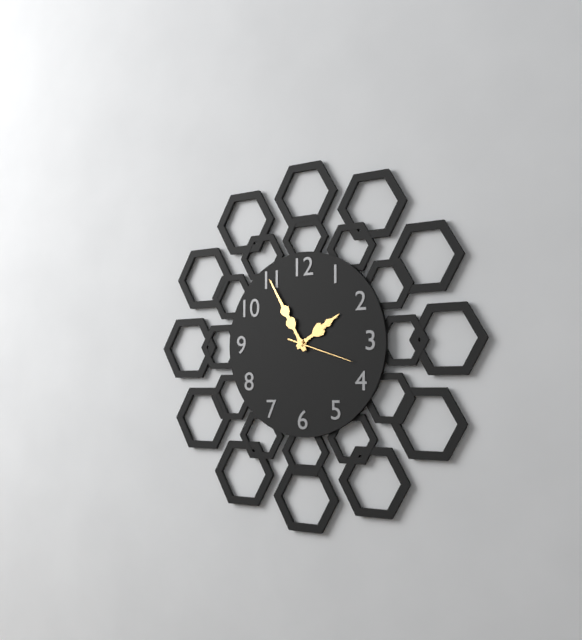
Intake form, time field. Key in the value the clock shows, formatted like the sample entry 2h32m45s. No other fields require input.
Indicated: 1h55m18s
